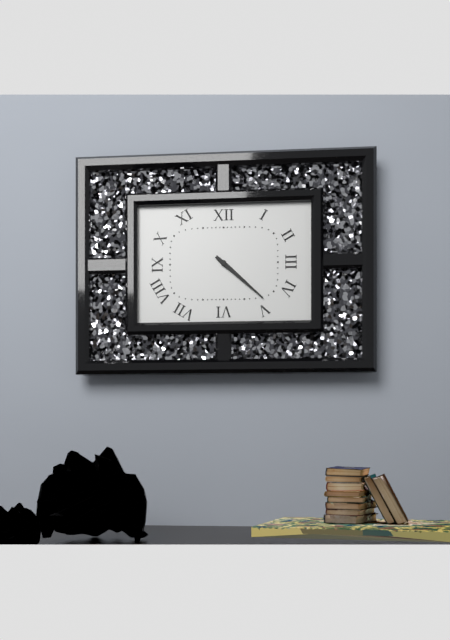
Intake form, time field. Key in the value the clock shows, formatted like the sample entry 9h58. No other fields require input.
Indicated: 4h22
